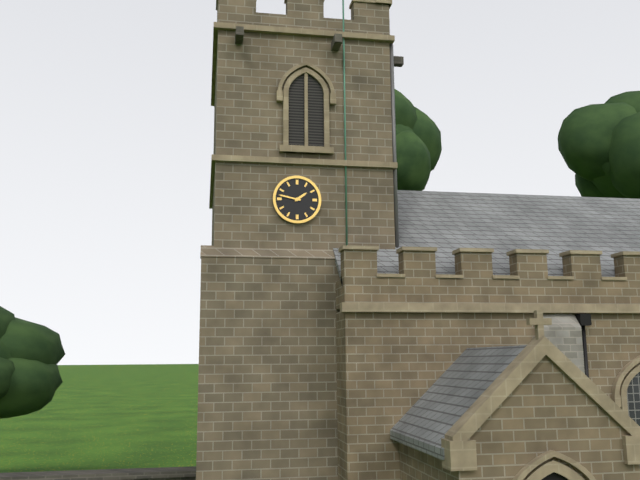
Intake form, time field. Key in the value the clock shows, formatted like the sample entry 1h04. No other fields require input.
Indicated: 1h47
